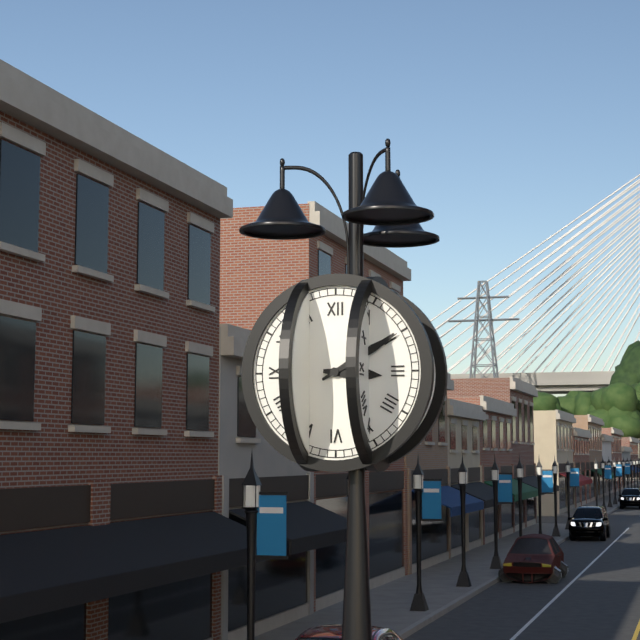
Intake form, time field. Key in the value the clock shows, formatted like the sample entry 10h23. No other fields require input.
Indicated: 3h10
